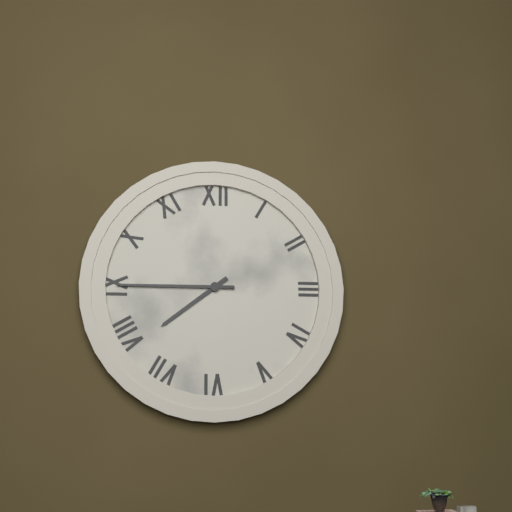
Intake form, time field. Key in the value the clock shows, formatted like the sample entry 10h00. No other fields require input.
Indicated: 7h45
